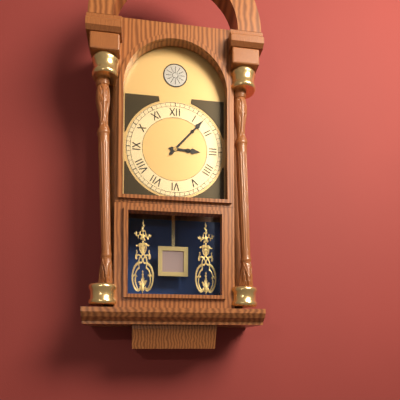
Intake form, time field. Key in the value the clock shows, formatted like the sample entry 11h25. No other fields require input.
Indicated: 3h07
